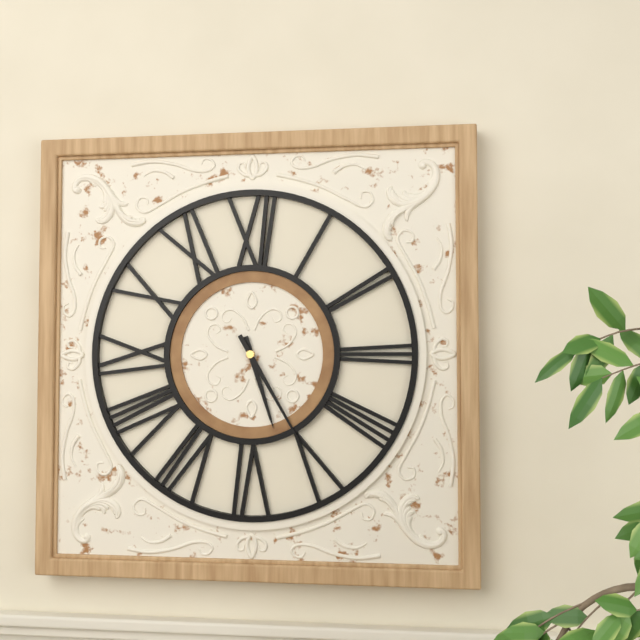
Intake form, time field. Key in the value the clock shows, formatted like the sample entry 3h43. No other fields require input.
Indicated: 5h25
